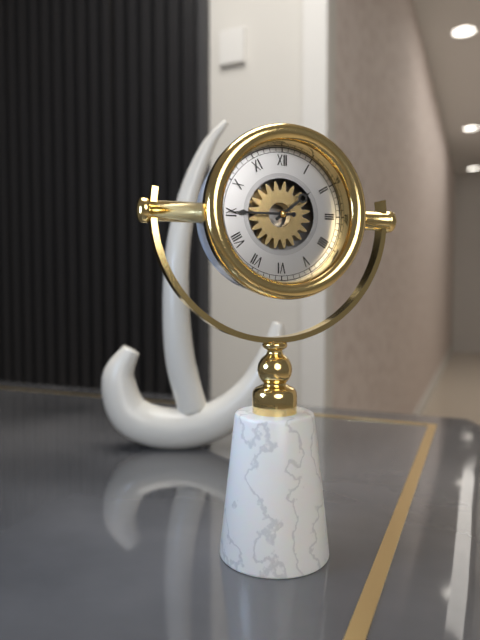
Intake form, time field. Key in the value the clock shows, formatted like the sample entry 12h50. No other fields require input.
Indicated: 1h45
